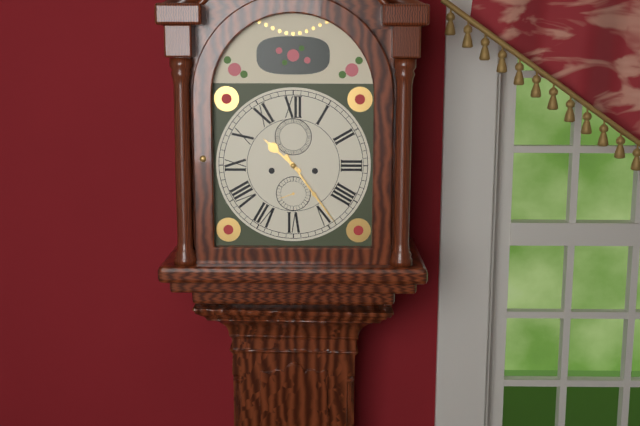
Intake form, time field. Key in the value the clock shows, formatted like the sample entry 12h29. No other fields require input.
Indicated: 10h24
